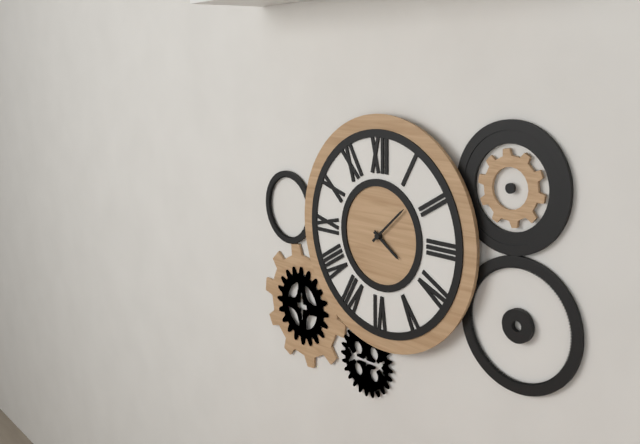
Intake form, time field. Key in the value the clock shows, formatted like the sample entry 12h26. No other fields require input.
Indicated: 4h08
